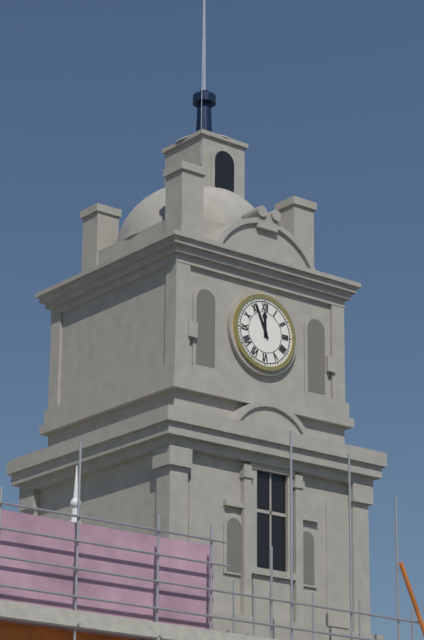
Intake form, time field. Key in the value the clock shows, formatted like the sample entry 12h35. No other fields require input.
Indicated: 11h56
